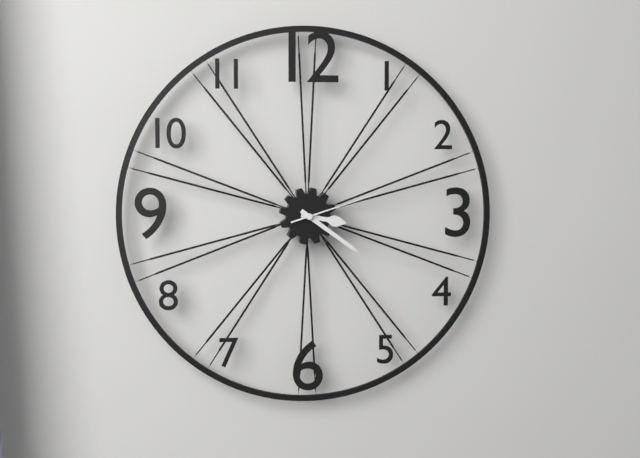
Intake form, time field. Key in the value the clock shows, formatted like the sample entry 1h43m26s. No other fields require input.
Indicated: 3h21m12s
